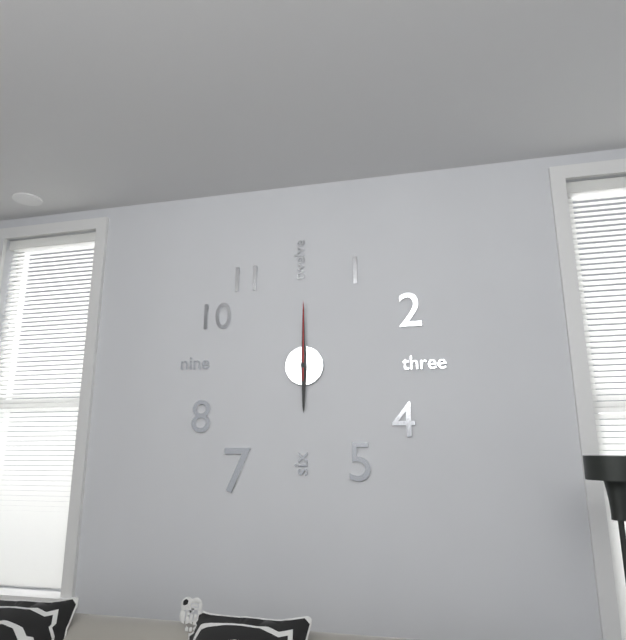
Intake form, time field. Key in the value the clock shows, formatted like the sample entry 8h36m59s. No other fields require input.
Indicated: 6h00m00s
